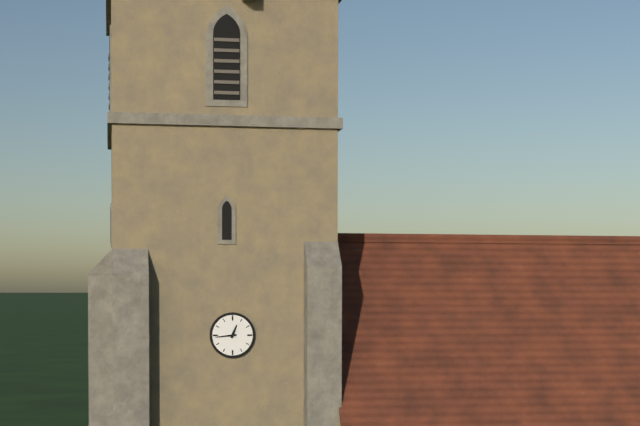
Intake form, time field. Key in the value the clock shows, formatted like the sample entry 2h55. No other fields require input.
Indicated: 12h44
